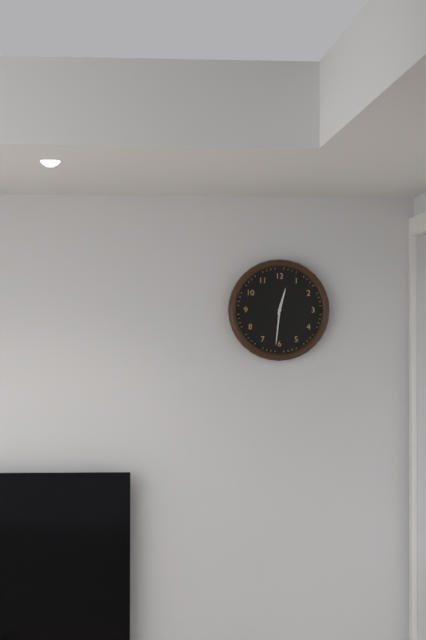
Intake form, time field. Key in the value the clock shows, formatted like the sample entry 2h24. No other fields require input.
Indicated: 12h31
